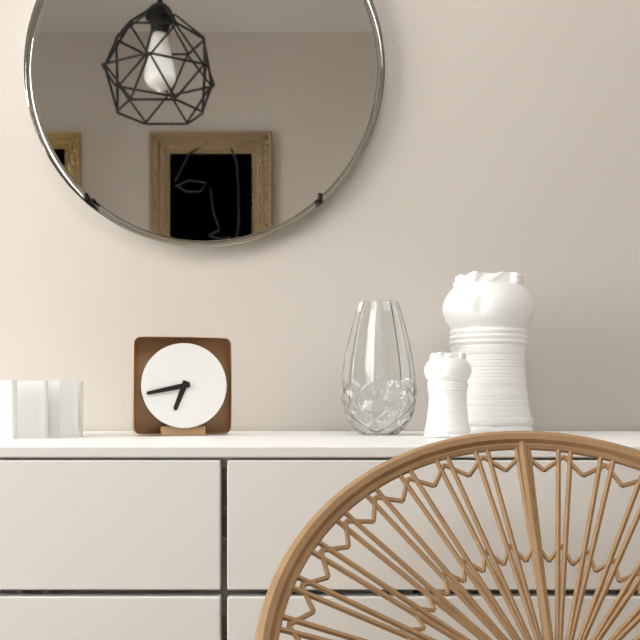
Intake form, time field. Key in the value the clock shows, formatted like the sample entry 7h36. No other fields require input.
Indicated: 6h43
